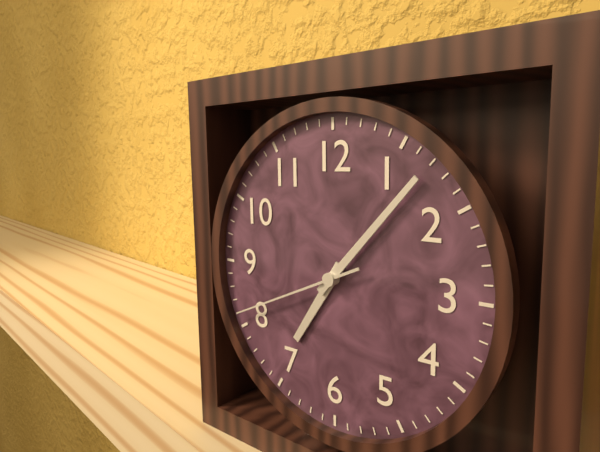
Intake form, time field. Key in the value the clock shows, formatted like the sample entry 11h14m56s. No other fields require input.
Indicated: 7h07m41s
